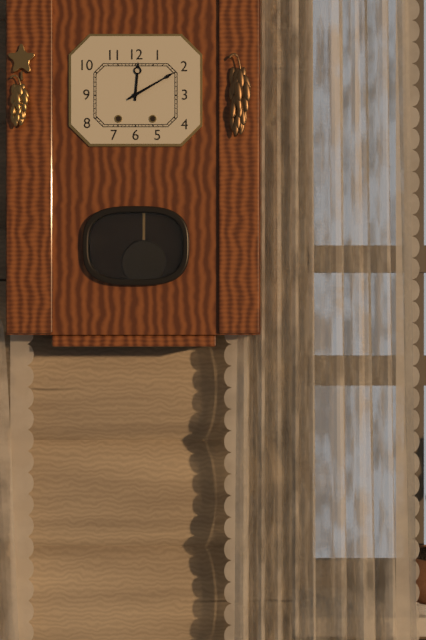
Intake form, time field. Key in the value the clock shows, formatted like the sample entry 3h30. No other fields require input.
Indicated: 12h10
